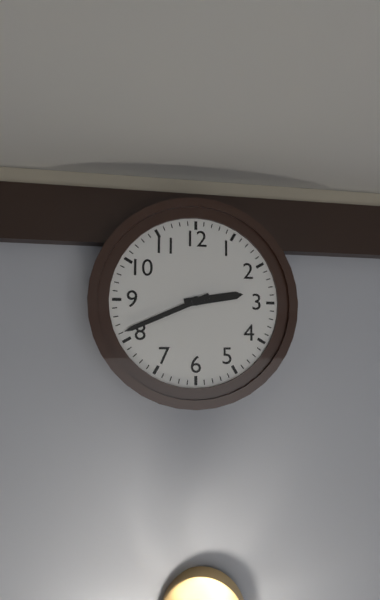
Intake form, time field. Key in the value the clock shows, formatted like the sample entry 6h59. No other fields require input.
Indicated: 2h41
